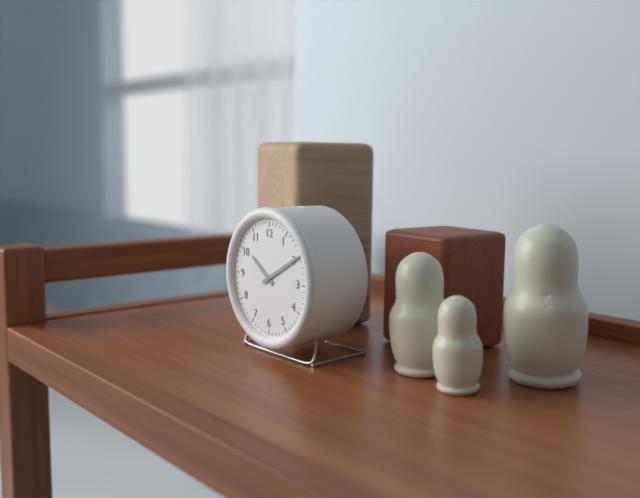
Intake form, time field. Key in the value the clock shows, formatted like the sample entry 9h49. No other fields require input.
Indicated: 10h10
